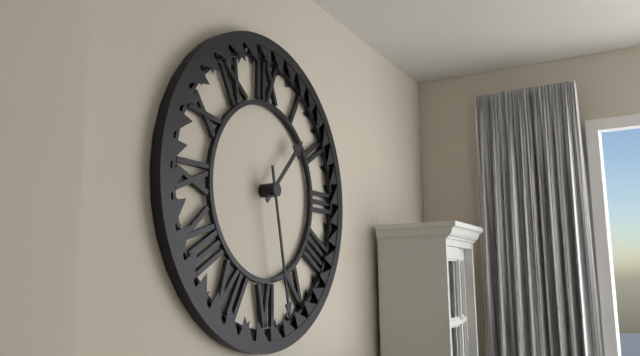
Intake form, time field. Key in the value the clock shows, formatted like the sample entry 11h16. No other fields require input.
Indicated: 1h28
